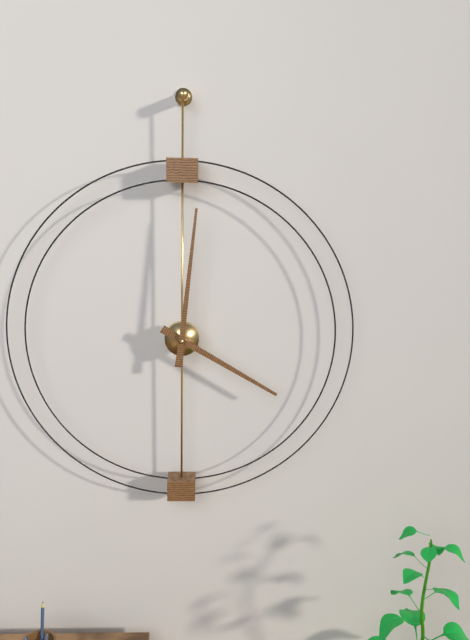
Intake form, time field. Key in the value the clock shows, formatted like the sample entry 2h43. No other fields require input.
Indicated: 4h01
